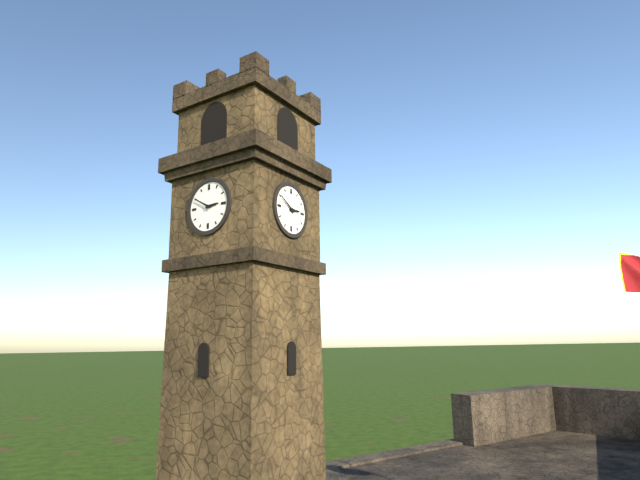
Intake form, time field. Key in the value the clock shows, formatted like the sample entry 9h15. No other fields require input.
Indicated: 2h50
